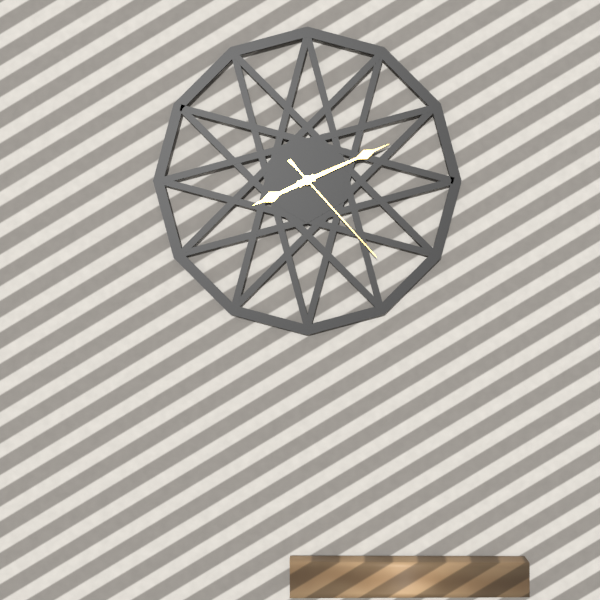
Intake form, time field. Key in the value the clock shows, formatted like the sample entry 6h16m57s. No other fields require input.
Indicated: 8h11m23s
